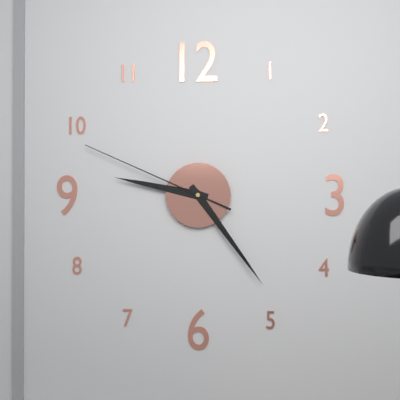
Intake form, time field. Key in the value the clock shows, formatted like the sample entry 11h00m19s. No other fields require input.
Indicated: 9h24m49s
